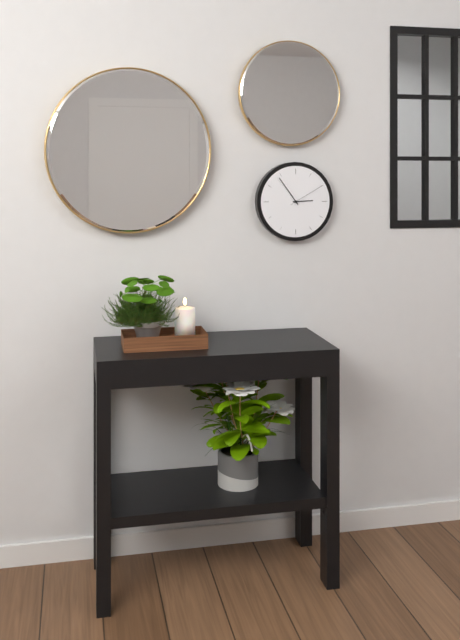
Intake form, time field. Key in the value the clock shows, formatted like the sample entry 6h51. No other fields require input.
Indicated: 2h54
